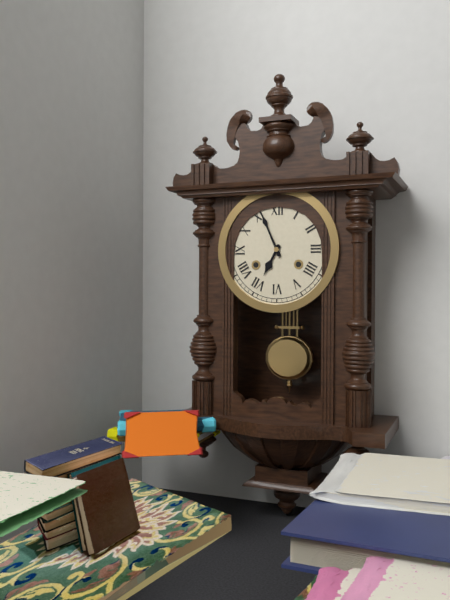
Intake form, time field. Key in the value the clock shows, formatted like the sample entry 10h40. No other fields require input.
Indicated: 6h56
